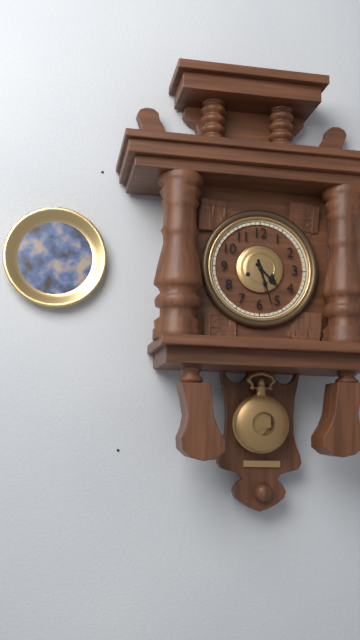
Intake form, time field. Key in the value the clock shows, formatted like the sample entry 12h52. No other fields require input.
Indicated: 4h27
